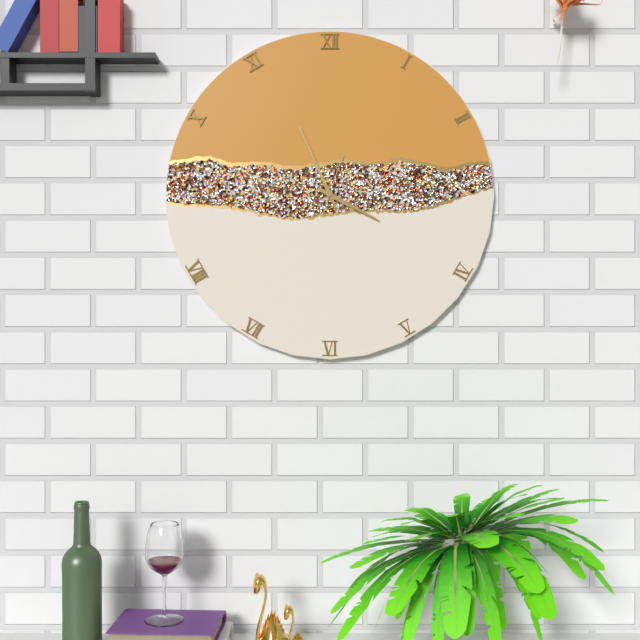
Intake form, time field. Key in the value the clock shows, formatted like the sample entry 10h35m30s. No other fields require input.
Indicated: 3h56m03s
